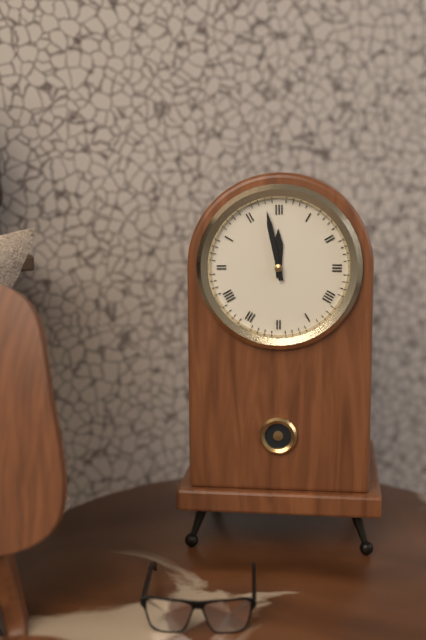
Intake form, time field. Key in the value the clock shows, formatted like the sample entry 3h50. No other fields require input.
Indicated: 11h58
